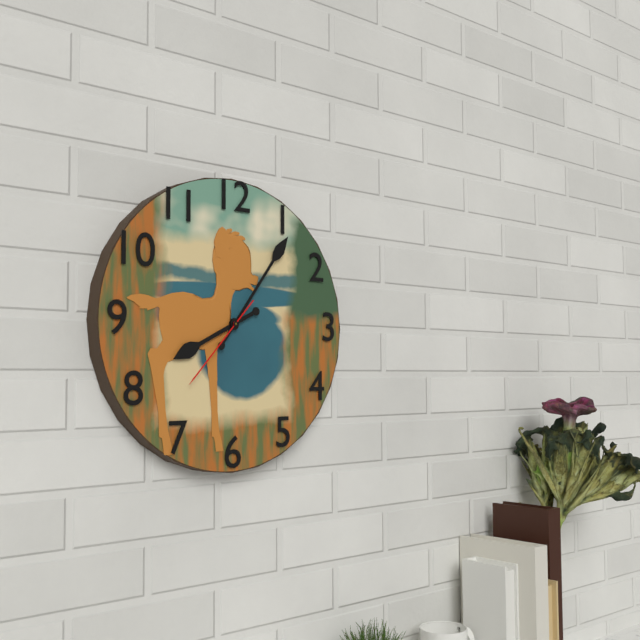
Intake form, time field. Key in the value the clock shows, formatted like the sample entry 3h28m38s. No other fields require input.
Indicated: 8h06m37s
